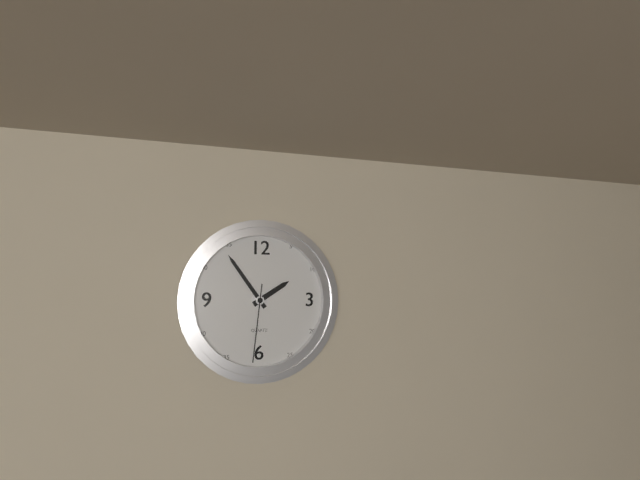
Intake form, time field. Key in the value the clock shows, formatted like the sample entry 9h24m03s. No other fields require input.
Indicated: 1h54m31s
